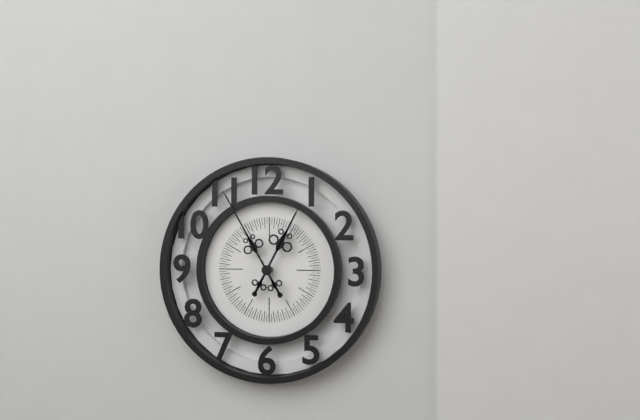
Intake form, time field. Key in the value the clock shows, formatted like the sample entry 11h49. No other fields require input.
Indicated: 12h55
